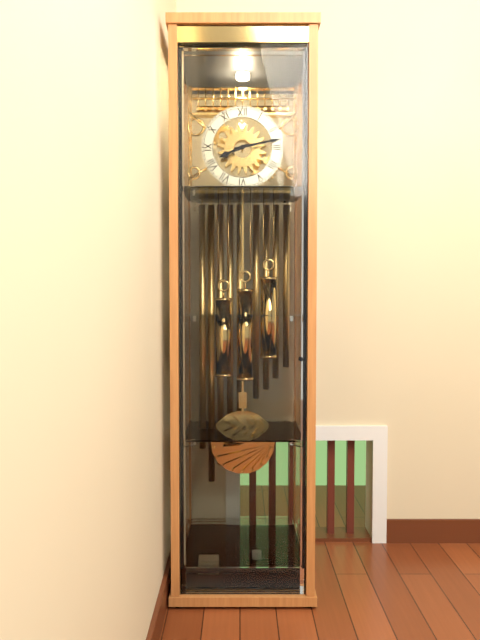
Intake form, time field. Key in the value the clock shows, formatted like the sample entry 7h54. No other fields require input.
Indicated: 8h13
